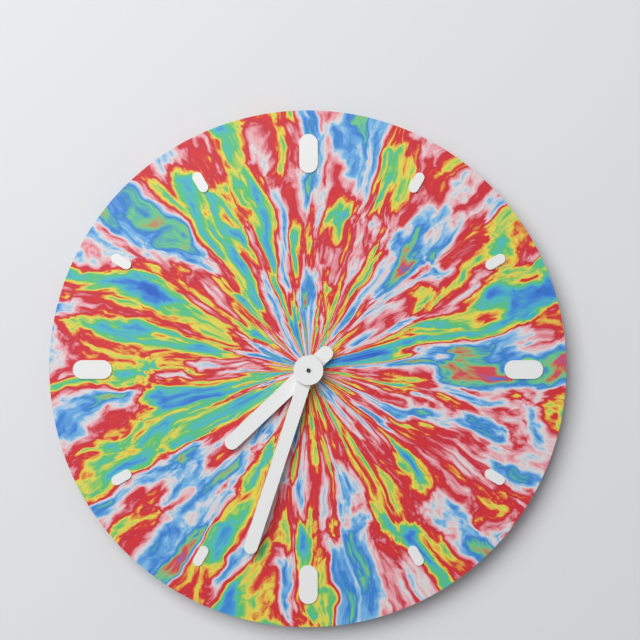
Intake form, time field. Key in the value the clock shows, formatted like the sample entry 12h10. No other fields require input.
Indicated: 7h33
